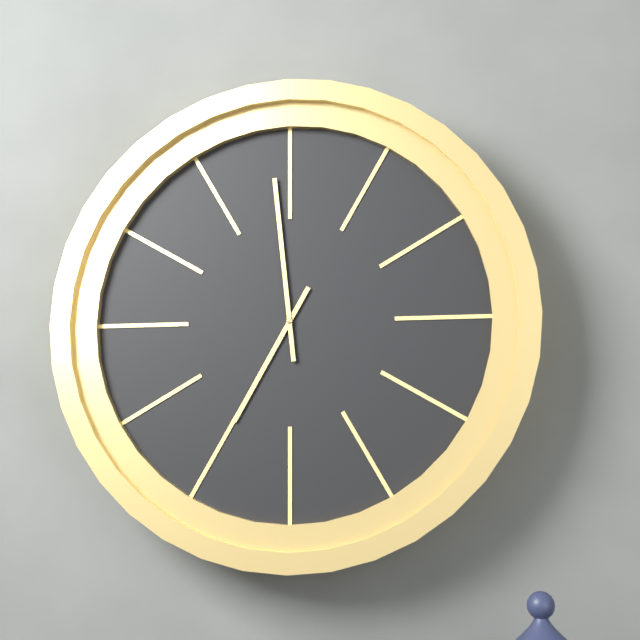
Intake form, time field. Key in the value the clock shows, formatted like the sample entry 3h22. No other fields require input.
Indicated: 6h59
